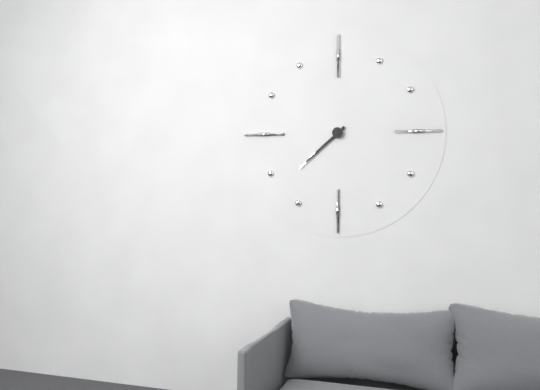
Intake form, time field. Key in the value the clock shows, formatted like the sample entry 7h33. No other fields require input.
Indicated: 7h38
